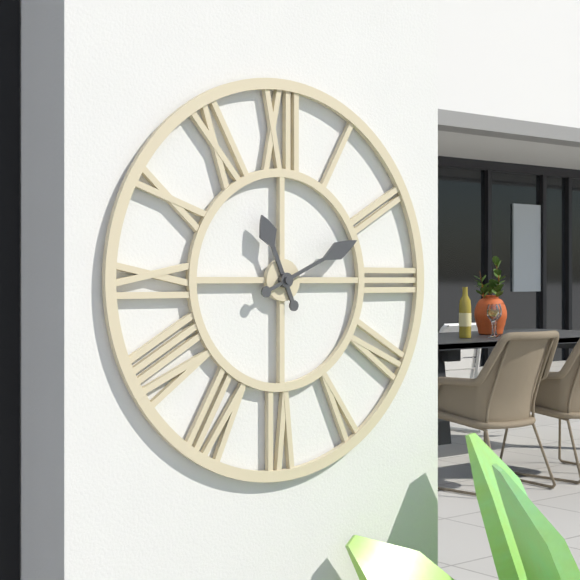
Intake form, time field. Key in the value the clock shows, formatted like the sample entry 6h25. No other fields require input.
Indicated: 11h11
